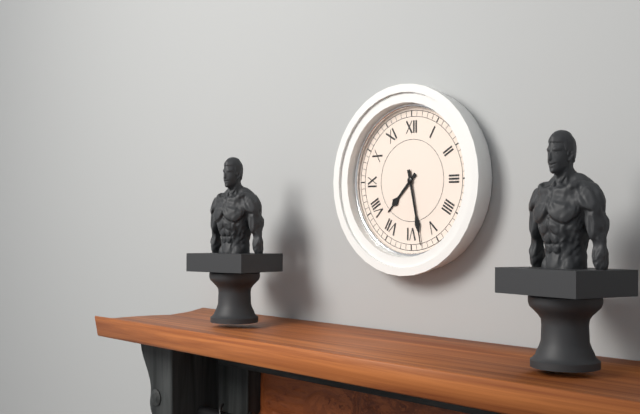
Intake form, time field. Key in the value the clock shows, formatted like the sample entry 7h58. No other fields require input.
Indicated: 7h28
